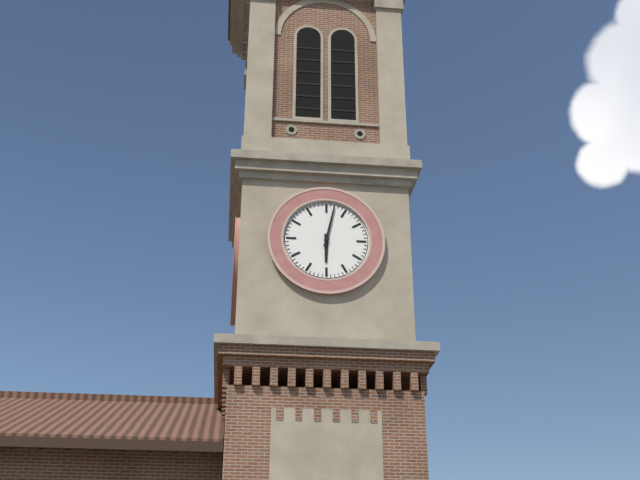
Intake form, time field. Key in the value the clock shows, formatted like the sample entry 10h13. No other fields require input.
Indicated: 6h02
